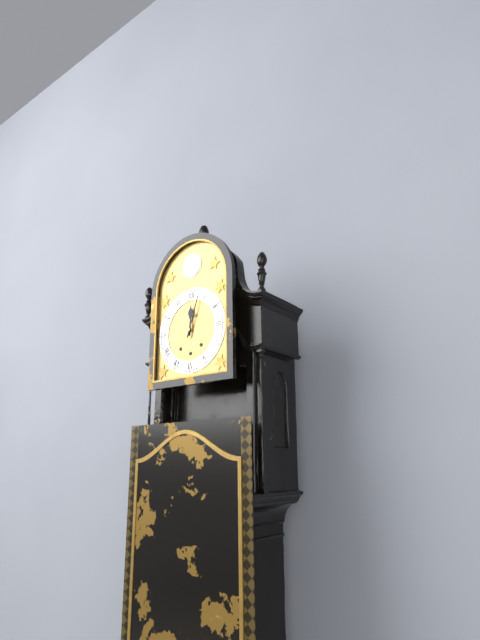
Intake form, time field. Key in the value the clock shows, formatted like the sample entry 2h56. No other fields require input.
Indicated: 12h03
